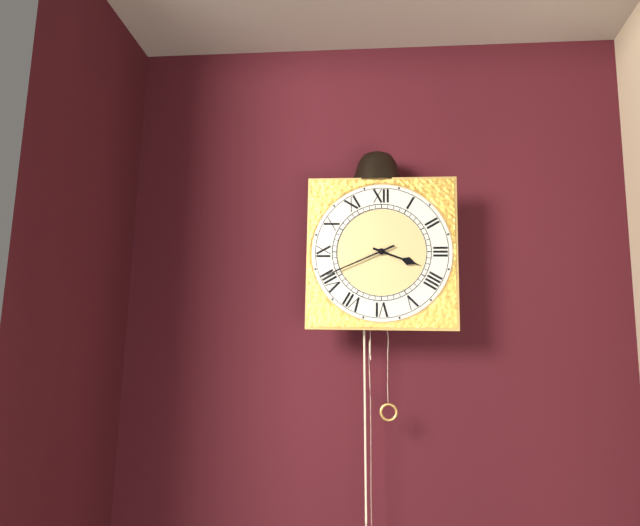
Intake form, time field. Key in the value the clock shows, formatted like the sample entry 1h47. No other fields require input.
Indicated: 3h41
